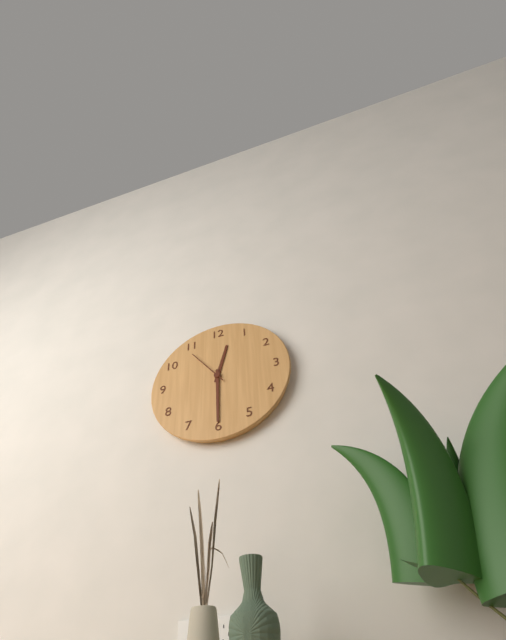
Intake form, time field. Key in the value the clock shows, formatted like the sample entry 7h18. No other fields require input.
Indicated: 12h30
